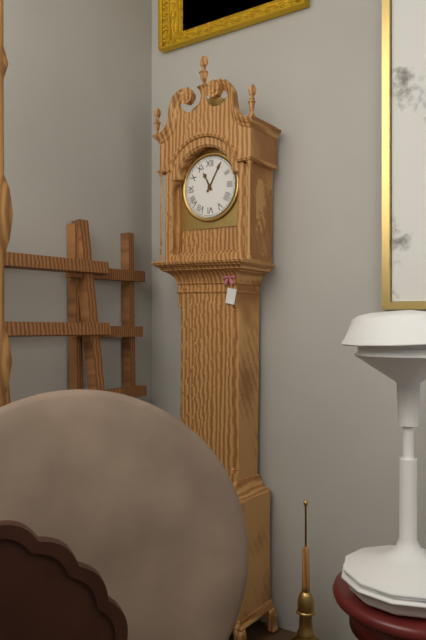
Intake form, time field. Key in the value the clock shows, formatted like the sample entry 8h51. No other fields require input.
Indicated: 11h05
